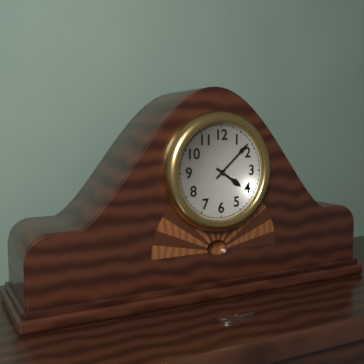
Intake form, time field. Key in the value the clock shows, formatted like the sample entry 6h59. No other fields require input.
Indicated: 4h08
